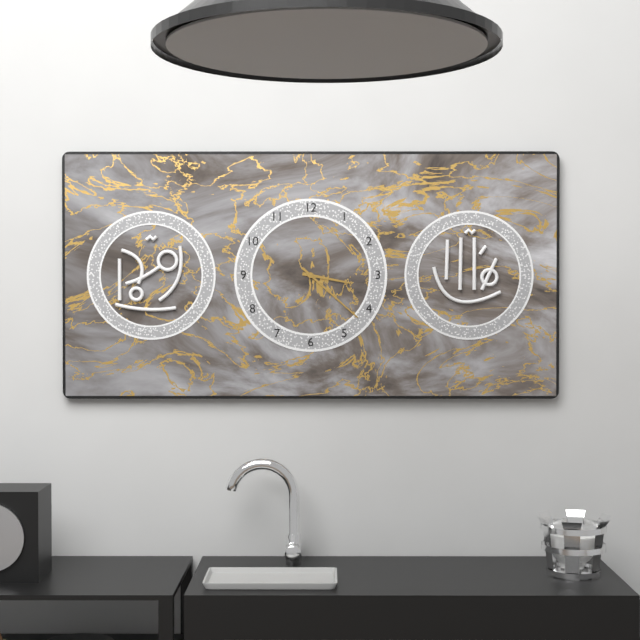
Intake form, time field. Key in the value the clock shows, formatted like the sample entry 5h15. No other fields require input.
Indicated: 3h22
